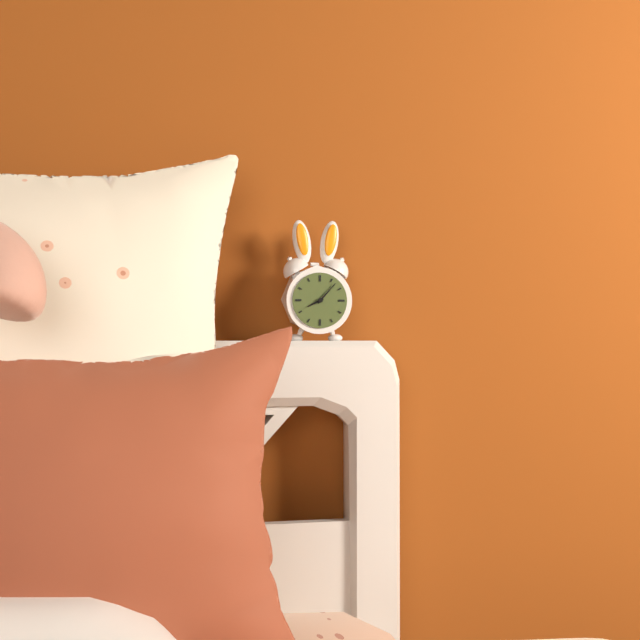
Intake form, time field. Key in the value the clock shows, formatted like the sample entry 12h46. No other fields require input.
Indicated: 8h07
